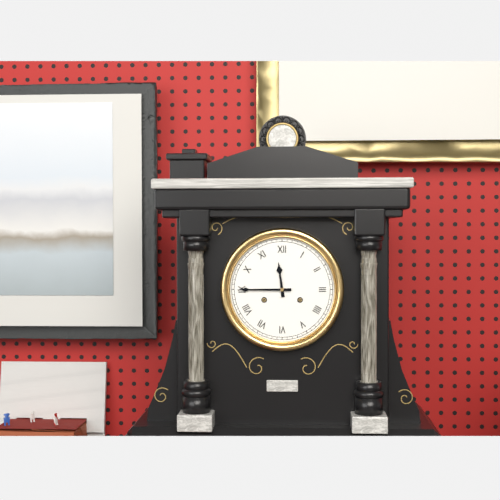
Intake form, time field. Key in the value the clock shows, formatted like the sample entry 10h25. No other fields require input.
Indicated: 11h45
